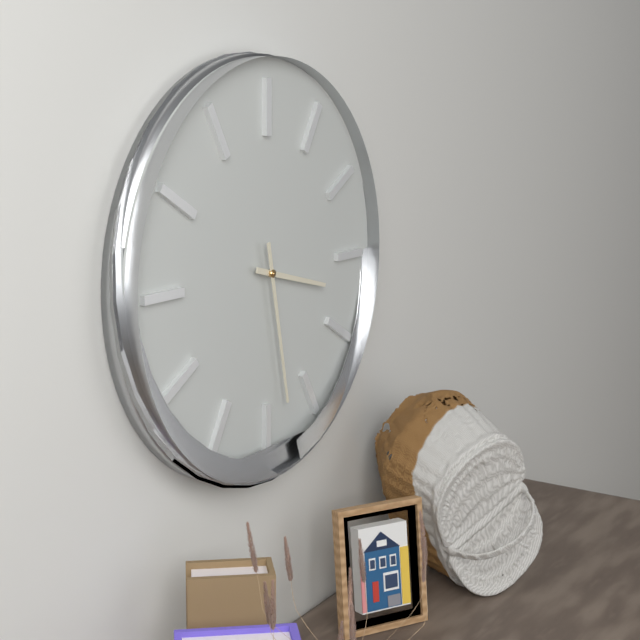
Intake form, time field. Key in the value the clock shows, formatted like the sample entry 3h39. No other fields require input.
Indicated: 3h28
